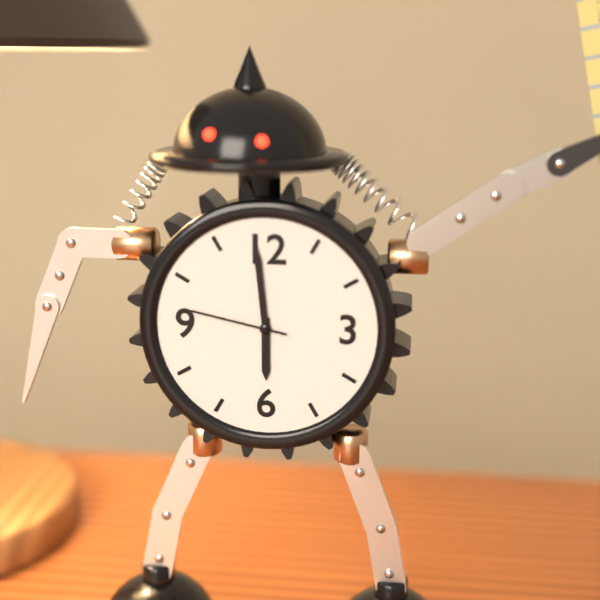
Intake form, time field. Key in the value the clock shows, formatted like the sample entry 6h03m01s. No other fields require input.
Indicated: 5h59m47s
